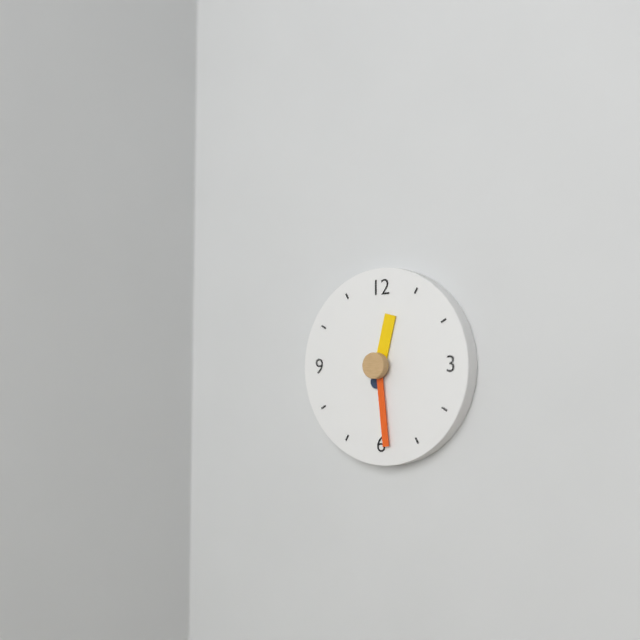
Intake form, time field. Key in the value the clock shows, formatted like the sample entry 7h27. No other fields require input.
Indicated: 12h29
